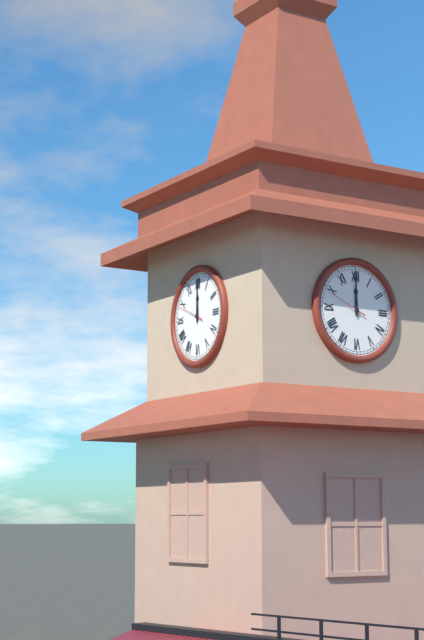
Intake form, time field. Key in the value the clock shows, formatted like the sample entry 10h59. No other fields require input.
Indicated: 12h00
